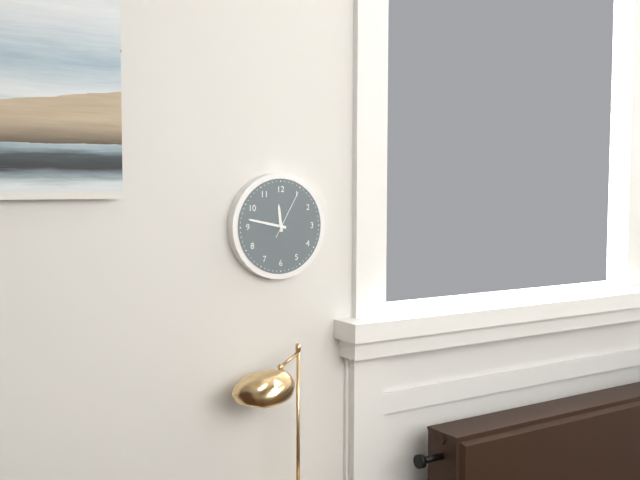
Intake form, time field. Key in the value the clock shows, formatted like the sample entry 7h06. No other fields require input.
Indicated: 11h47
